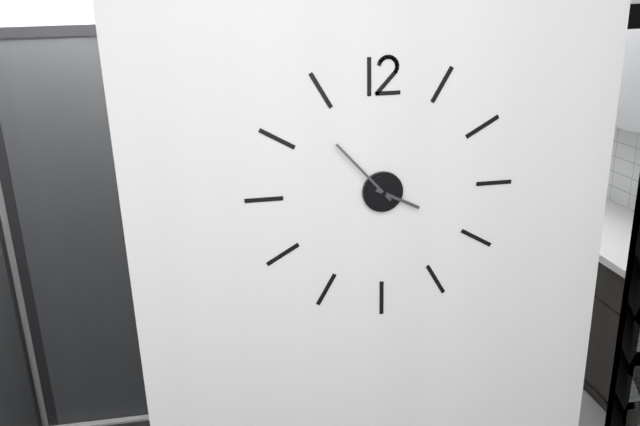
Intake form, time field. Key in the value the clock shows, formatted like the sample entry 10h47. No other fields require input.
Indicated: 3h53
